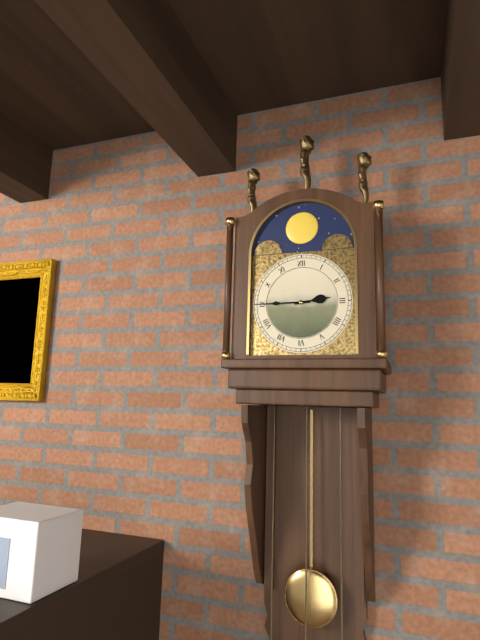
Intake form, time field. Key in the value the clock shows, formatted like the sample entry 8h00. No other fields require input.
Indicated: 2h45
